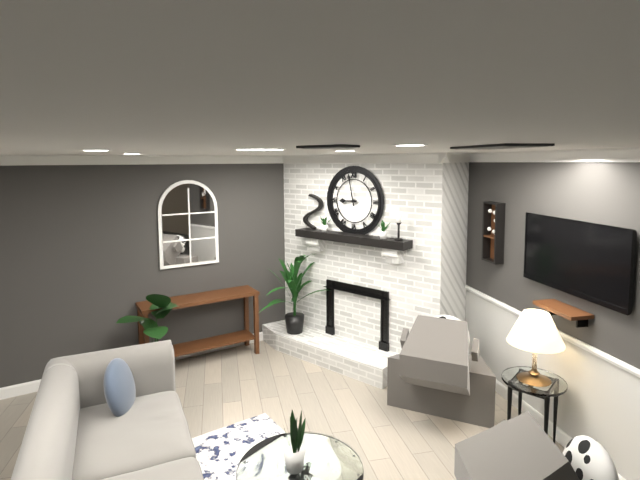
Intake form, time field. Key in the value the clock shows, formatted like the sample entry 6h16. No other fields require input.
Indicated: 8h58
